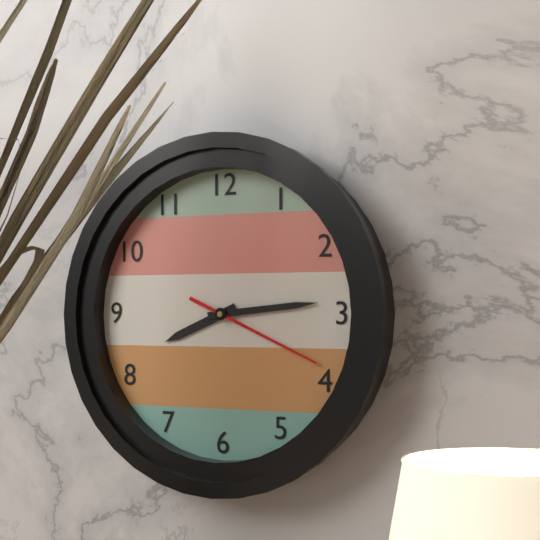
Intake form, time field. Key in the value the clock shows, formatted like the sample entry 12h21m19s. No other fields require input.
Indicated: 8h14m19s
